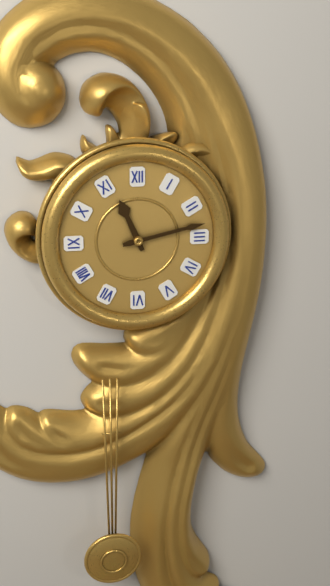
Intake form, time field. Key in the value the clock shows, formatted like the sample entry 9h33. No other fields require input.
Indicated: 11h13
